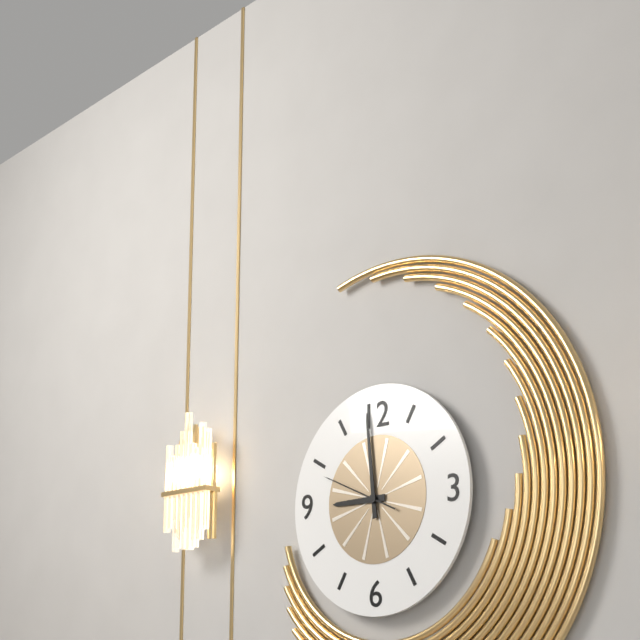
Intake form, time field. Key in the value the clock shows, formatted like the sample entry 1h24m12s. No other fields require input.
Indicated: 8h59m49s
